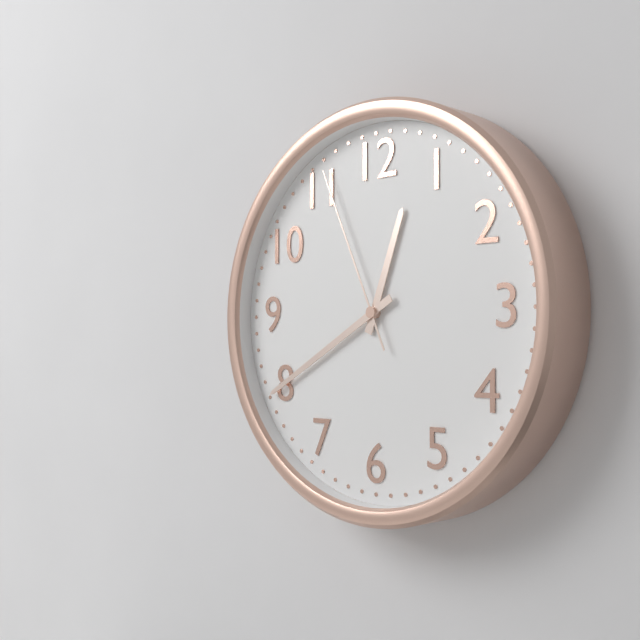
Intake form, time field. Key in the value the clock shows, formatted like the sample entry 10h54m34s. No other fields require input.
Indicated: 12h40m56s
